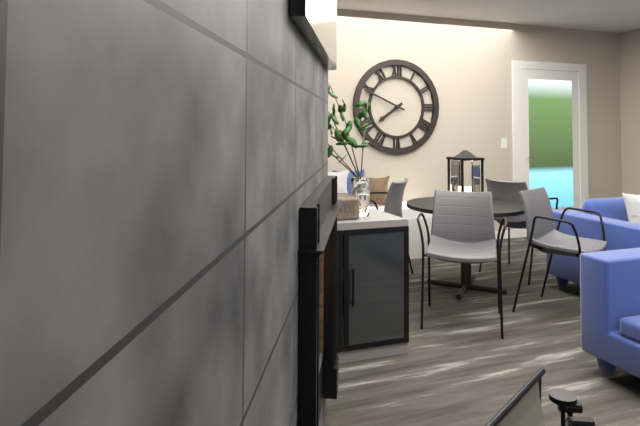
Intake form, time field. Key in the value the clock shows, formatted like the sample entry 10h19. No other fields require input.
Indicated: 7h49
